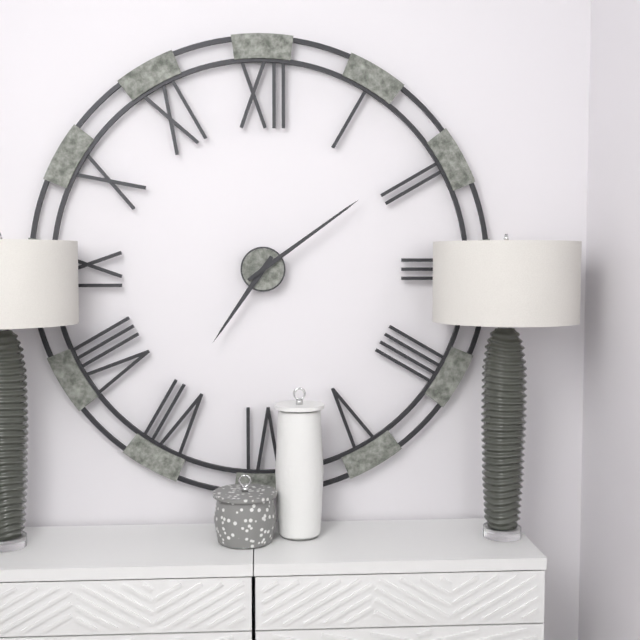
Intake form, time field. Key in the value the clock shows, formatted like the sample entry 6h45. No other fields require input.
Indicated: 7h09
